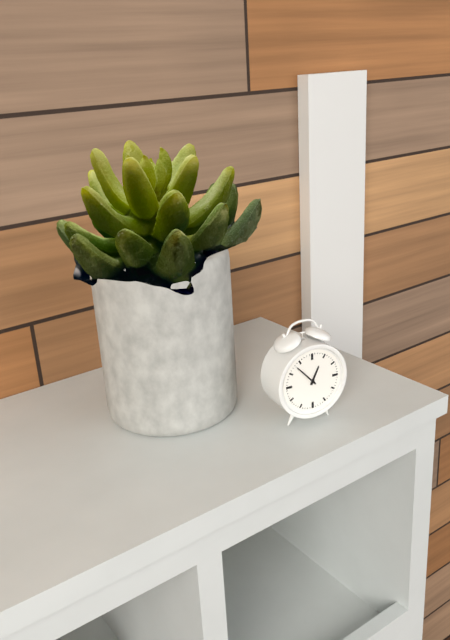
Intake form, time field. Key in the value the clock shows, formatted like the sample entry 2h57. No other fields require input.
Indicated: 12h53
